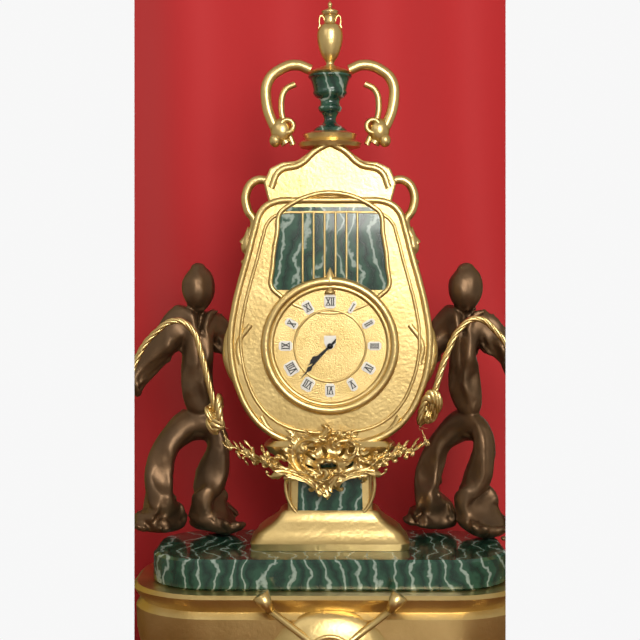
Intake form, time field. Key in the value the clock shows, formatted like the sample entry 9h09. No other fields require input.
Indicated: 7h37
